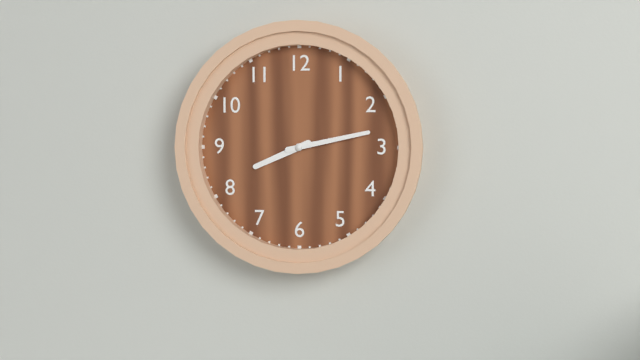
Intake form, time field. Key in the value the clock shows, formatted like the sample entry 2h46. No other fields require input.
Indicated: 8h13
